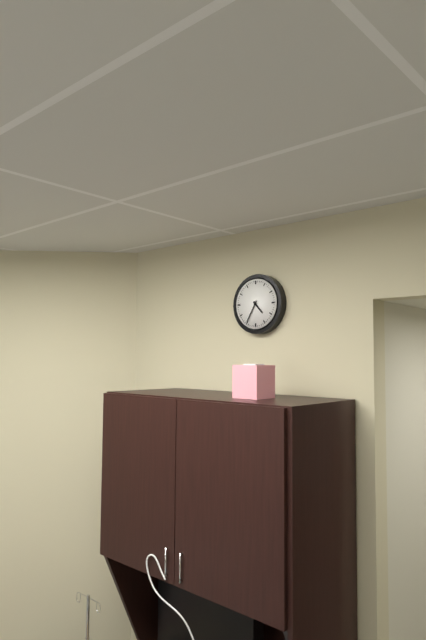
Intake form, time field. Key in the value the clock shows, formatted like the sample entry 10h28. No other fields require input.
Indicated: 4h35
